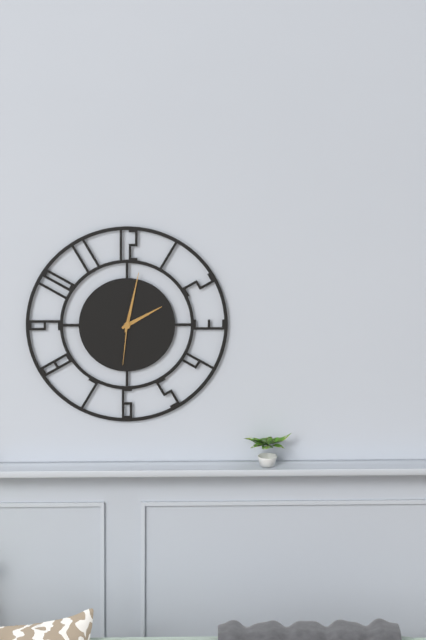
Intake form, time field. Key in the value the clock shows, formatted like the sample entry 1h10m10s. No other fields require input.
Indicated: 2h02m31s
